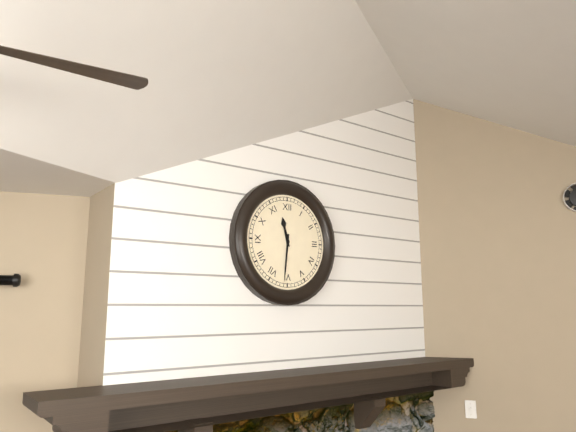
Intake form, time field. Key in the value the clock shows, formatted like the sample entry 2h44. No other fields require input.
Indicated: 11h31
